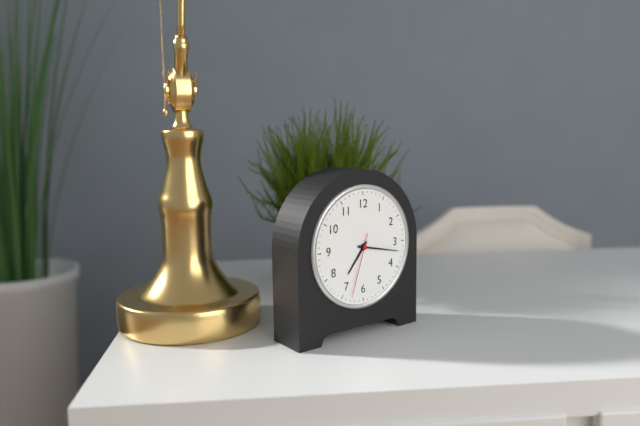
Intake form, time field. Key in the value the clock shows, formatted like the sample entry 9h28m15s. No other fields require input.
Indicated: 7h17m33s
